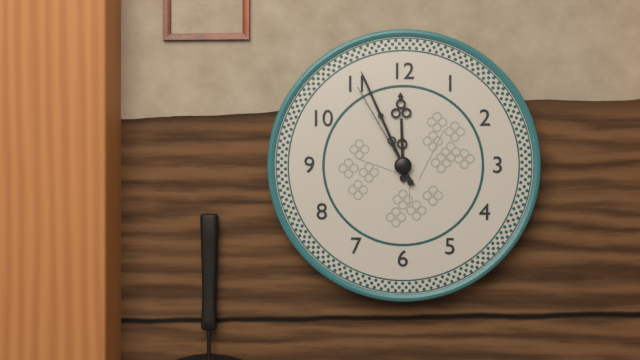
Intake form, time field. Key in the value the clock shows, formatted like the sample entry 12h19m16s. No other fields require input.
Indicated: 11h56m55s
